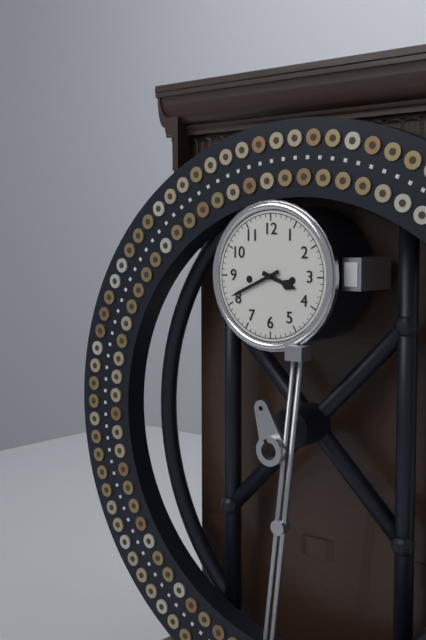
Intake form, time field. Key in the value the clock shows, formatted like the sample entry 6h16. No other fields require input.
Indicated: 3h41
